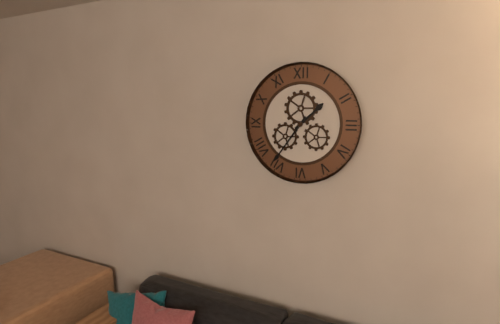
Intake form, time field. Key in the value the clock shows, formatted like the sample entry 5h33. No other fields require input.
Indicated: 1h36
